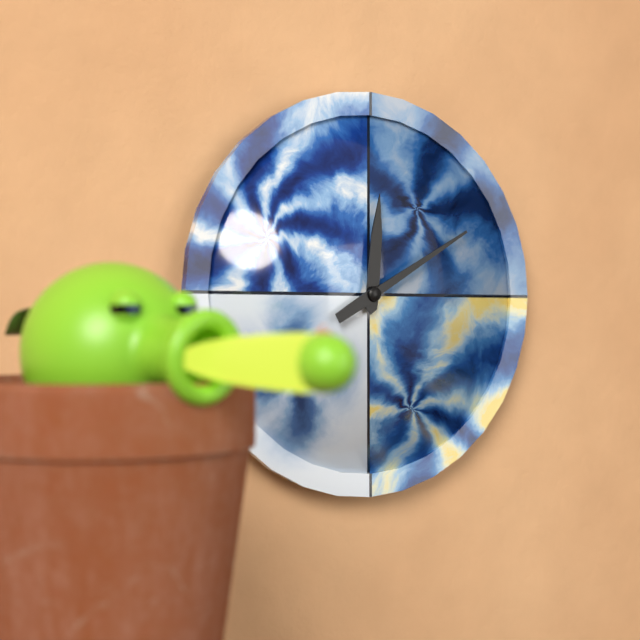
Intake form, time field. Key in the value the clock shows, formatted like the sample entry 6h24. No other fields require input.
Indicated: 12h10
